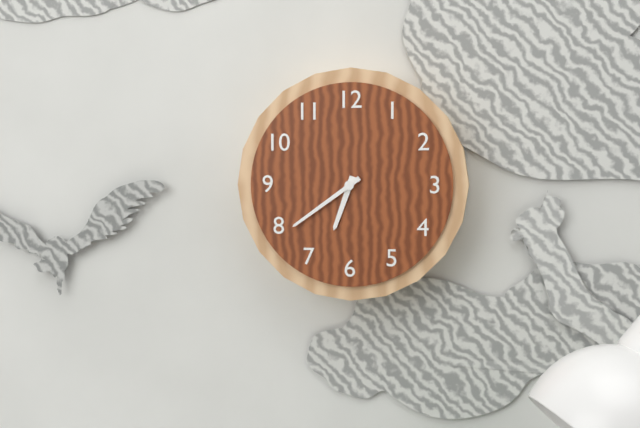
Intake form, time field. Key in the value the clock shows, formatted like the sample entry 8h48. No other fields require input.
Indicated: 6h39
